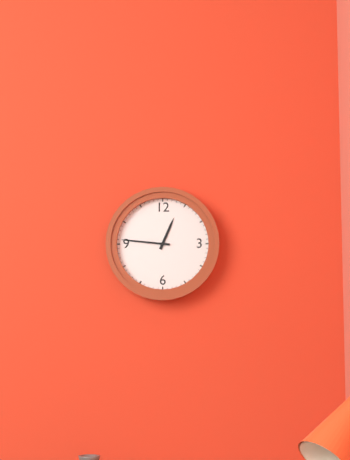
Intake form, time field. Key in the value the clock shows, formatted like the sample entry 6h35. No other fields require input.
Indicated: 12h46
